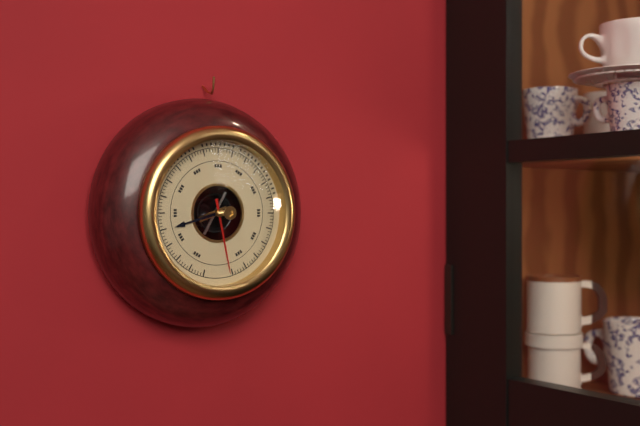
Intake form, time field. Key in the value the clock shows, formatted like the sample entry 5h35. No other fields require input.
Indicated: 8h28
